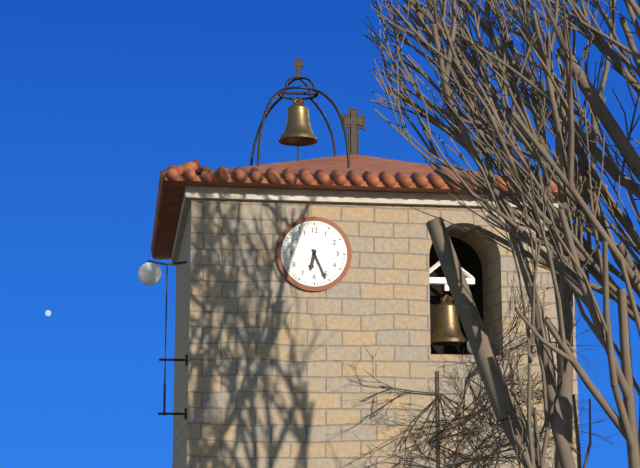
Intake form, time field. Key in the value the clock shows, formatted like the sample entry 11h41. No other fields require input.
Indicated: 6h26
